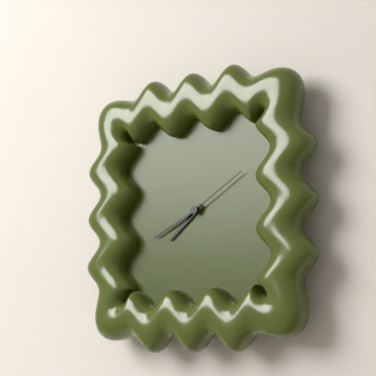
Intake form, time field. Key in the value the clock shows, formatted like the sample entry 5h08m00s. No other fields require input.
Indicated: 7h41m10s
